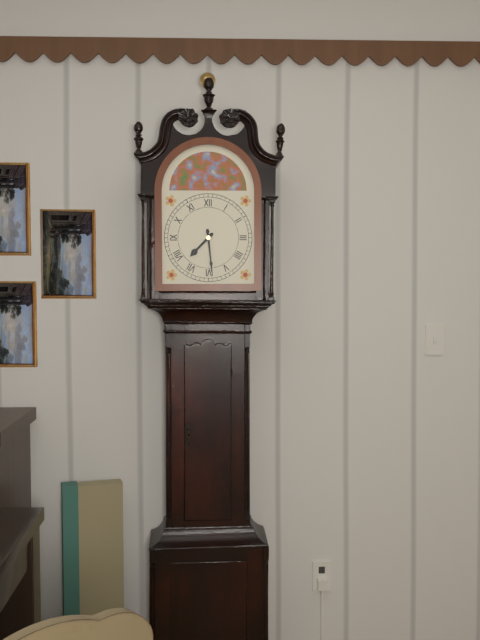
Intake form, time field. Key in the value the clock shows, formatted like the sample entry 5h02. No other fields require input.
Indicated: 7h29
